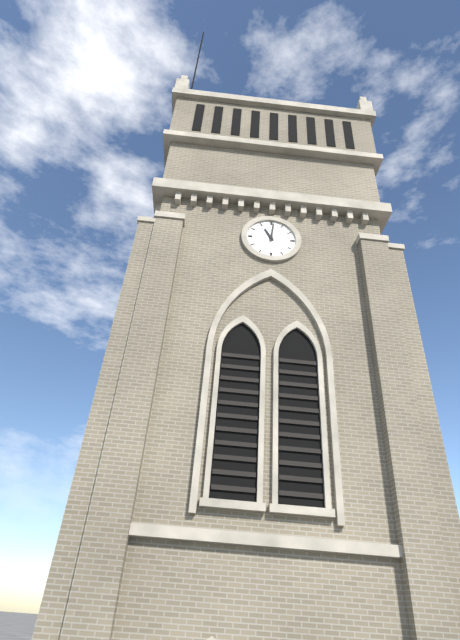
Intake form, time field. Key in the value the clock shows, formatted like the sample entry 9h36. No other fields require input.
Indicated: 11h01
